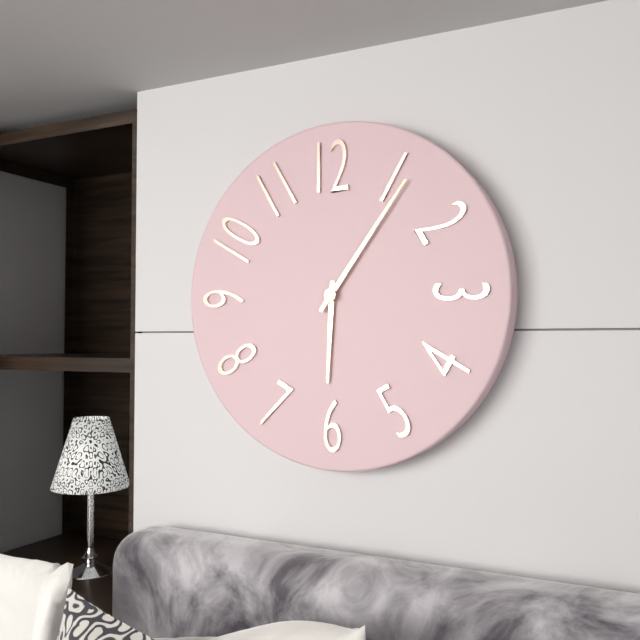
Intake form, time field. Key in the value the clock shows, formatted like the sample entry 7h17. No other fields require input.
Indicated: 6h06
